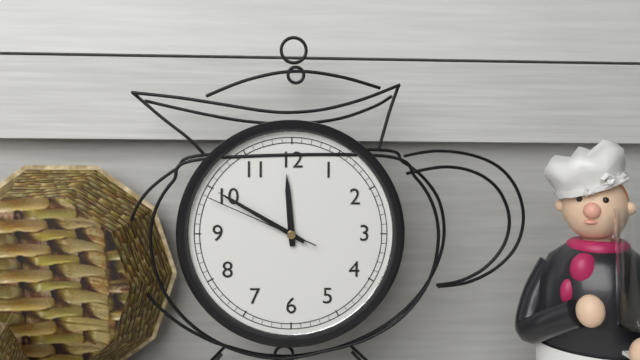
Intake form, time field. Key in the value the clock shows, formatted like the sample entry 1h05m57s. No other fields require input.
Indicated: 11h50m49s
